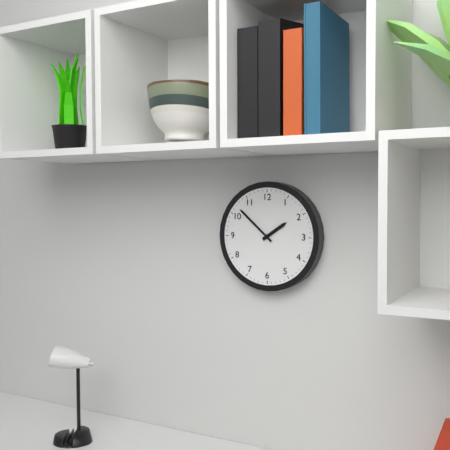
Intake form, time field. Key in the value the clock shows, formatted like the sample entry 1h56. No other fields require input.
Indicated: 1h52
